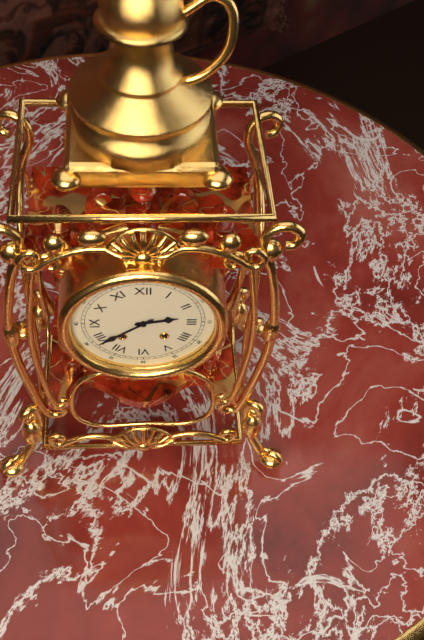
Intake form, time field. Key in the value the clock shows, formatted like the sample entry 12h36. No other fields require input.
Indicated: 2h39
